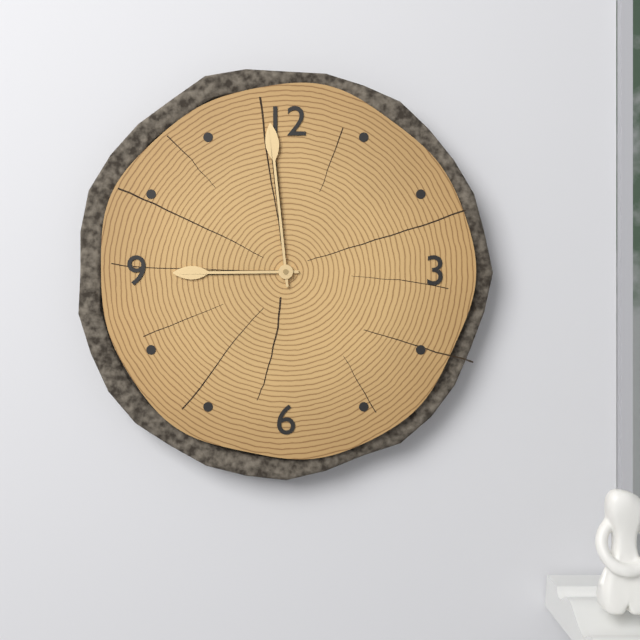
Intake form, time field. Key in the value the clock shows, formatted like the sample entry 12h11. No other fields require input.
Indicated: 8h59
